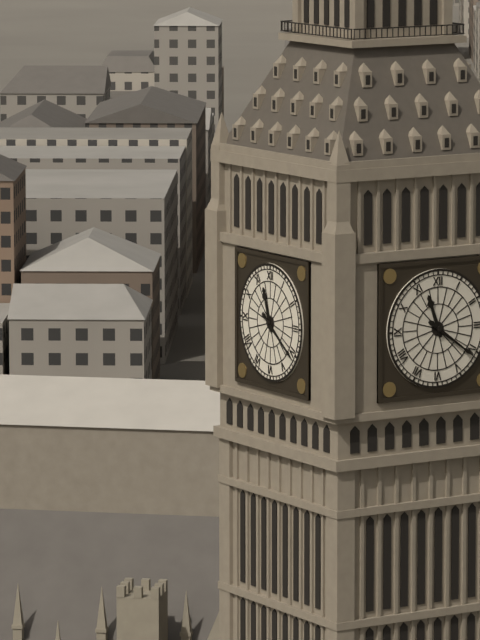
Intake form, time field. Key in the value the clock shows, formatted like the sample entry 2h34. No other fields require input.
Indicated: 11h21
